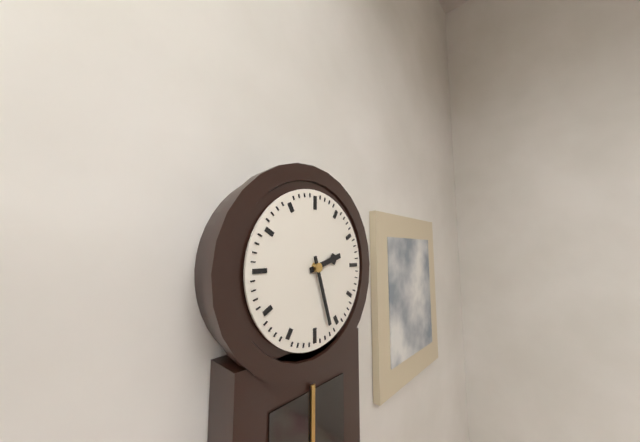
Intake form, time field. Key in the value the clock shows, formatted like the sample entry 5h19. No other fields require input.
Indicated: 2h27
